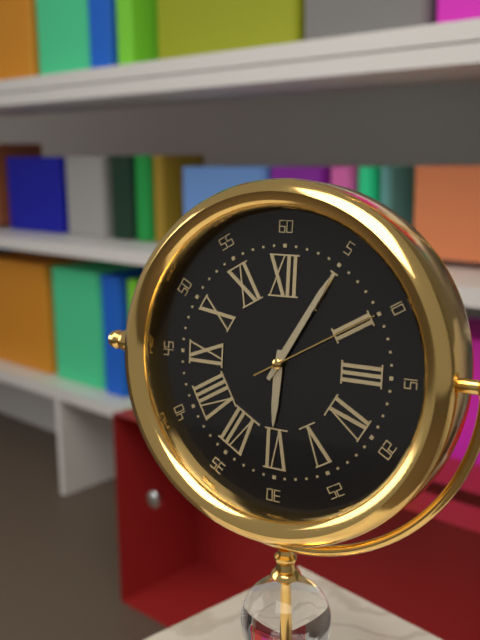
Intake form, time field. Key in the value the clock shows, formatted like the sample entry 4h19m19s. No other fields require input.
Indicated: 6h05m10s
